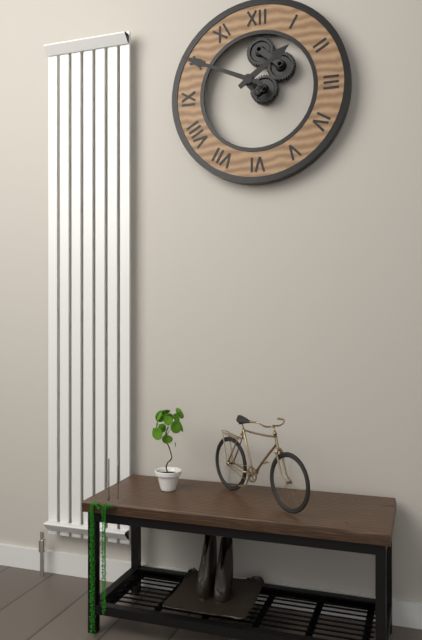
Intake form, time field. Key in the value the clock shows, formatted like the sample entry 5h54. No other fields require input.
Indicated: 1h49
